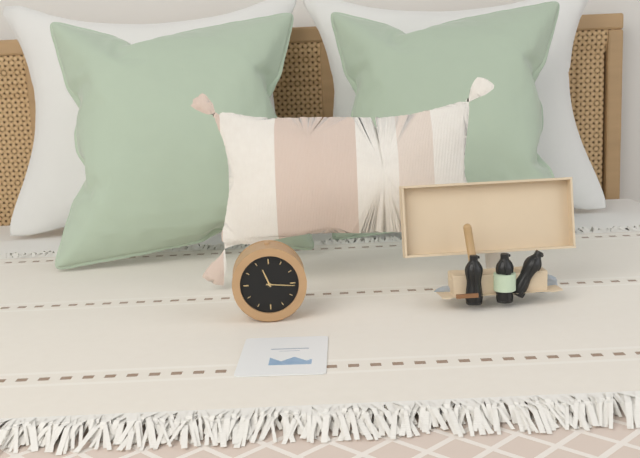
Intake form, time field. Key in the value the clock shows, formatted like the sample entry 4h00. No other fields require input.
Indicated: 11h16
